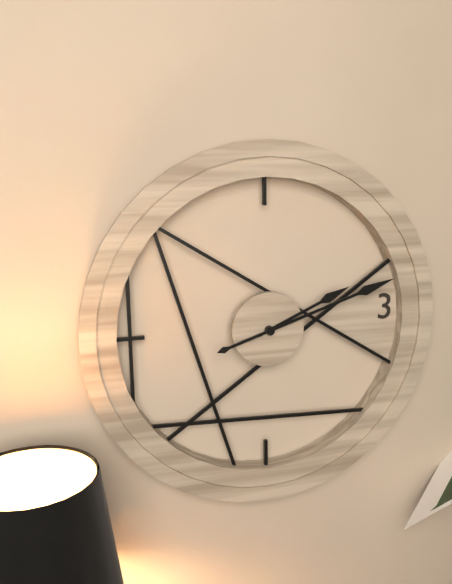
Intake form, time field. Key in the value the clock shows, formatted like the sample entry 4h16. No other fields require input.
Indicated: 2h12
